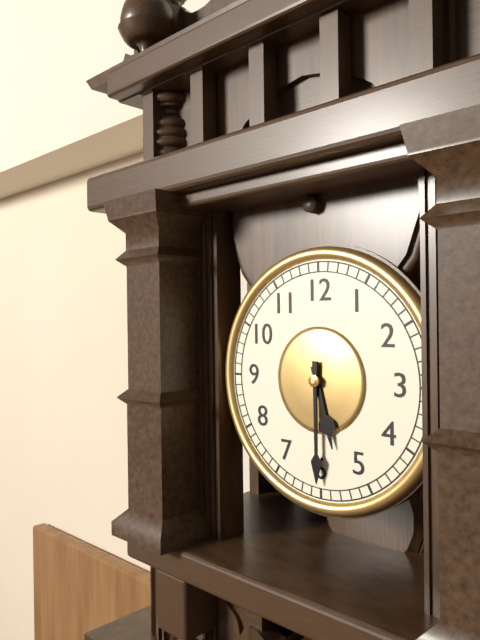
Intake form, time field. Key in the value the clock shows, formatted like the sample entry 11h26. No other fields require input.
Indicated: 5h30
